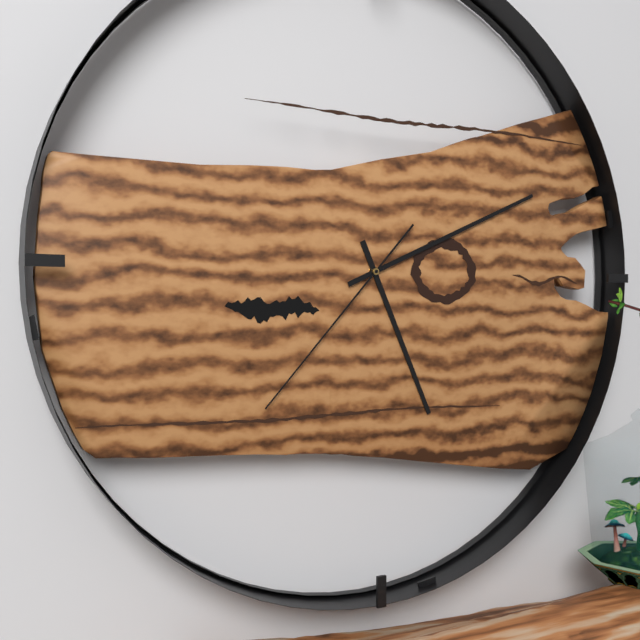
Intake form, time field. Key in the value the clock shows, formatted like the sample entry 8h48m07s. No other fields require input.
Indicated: 5h11m37s
